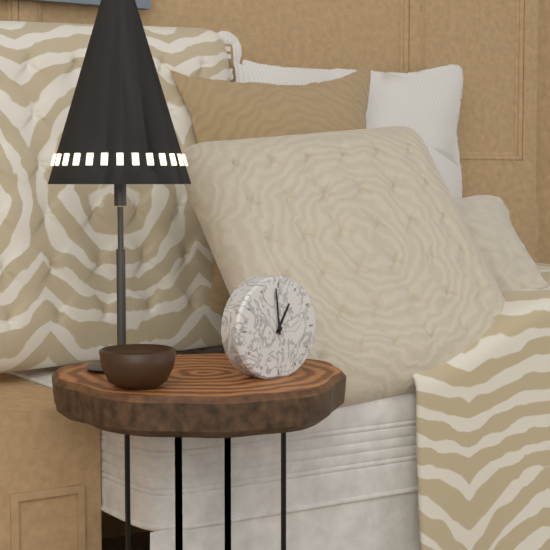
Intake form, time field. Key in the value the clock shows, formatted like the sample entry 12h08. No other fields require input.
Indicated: 12h59
